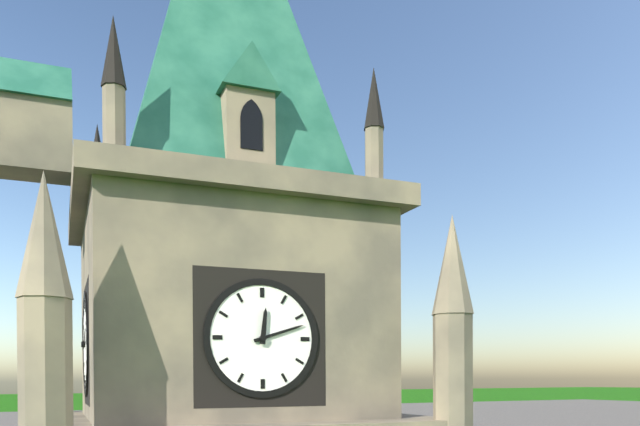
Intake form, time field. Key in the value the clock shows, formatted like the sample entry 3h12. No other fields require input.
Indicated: 12h12
